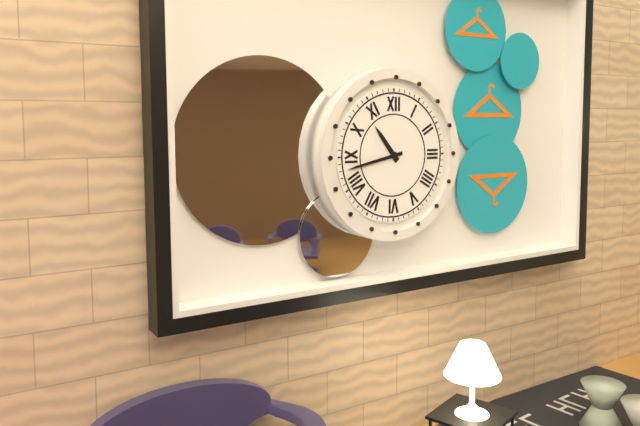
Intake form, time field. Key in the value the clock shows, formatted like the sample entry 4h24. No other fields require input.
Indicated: 10h43
